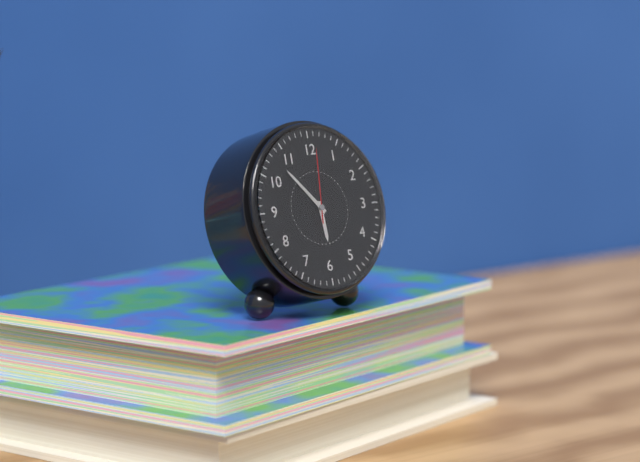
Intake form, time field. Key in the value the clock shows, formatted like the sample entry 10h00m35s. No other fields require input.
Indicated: 5h53m01s
